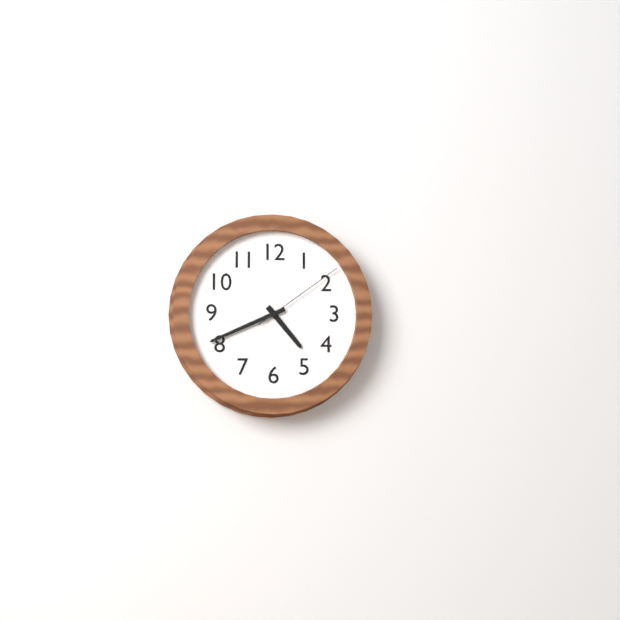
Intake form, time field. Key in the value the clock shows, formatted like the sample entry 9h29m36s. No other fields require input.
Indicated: 4h41m09s
